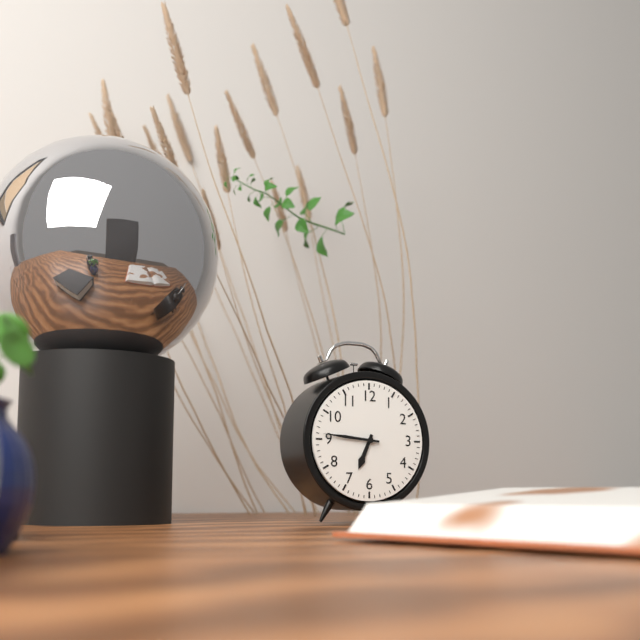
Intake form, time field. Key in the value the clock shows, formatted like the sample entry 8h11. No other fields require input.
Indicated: 6h46
